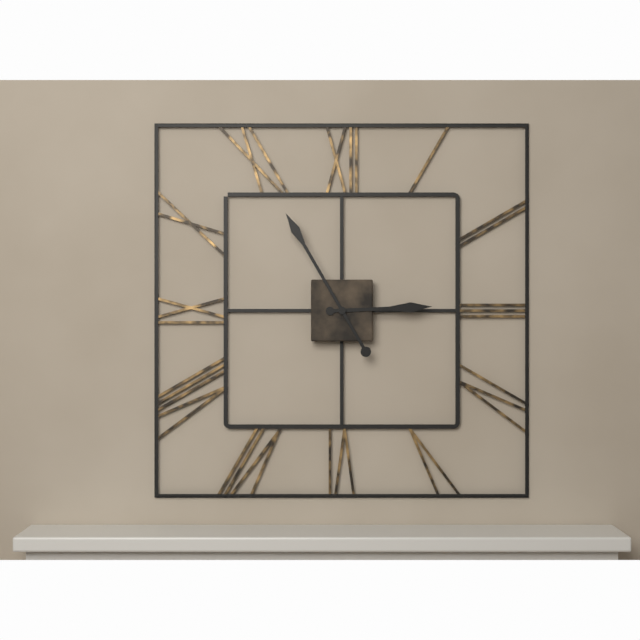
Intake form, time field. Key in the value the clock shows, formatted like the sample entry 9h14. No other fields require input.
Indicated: 2h55
